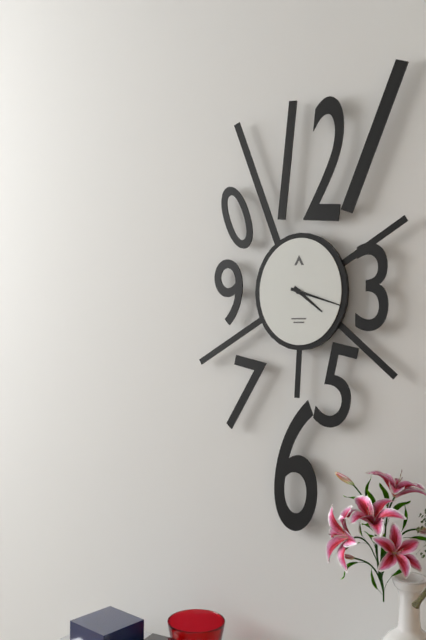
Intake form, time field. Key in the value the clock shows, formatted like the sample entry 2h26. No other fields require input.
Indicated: 4h18
